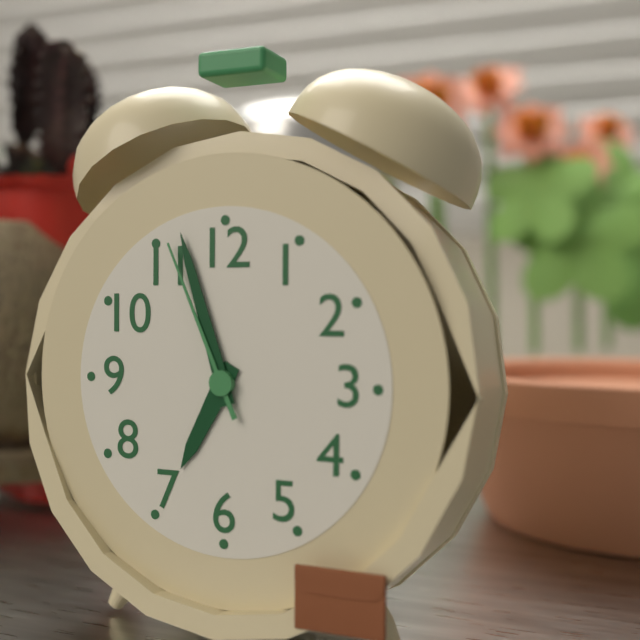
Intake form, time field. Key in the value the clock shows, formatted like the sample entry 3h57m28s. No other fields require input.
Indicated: 6h57m56s
